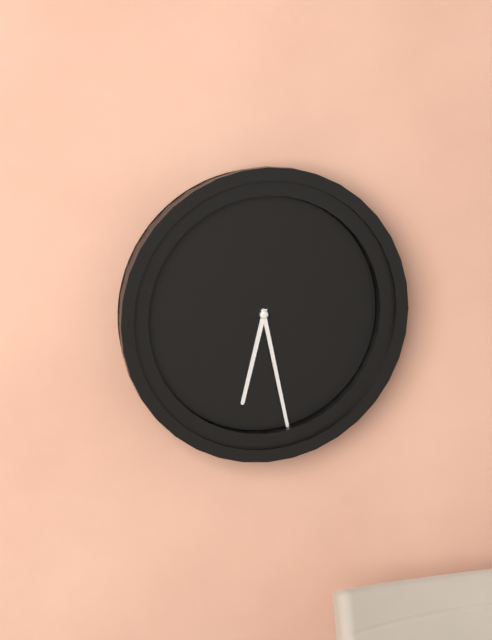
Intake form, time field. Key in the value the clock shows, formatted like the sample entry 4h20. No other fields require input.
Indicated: 6h28
